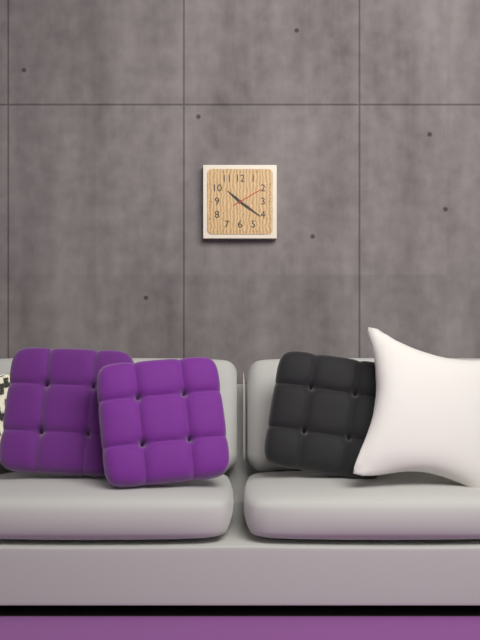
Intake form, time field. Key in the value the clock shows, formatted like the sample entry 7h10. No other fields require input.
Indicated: 10h21
